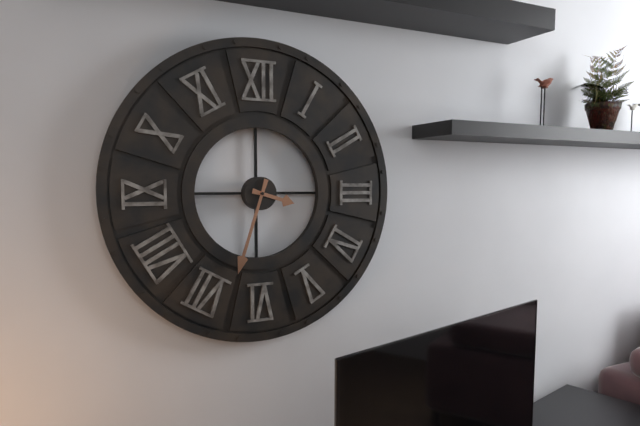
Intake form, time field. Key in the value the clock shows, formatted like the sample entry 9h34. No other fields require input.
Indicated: 3h33
